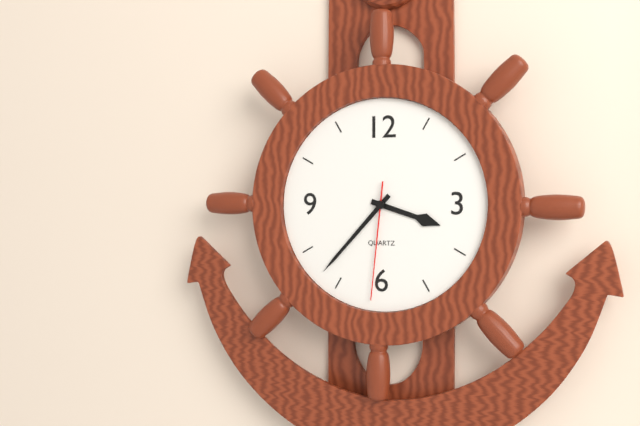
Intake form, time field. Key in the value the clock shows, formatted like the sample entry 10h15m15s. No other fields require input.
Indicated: 3h37m31s
